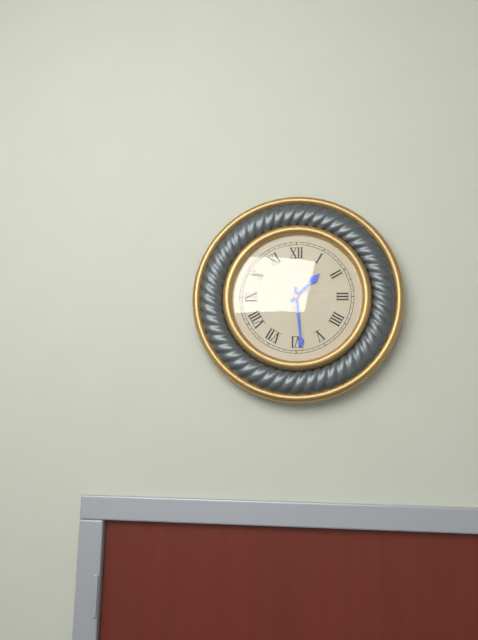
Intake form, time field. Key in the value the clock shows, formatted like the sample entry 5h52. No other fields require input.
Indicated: 1h29
